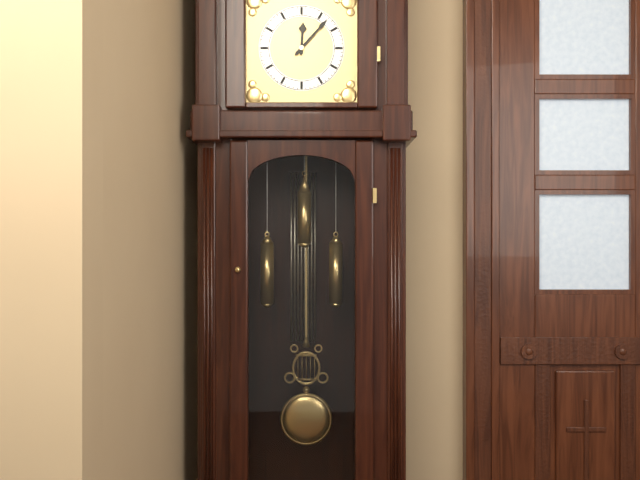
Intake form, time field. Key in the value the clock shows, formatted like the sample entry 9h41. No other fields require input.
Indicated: 12h07
